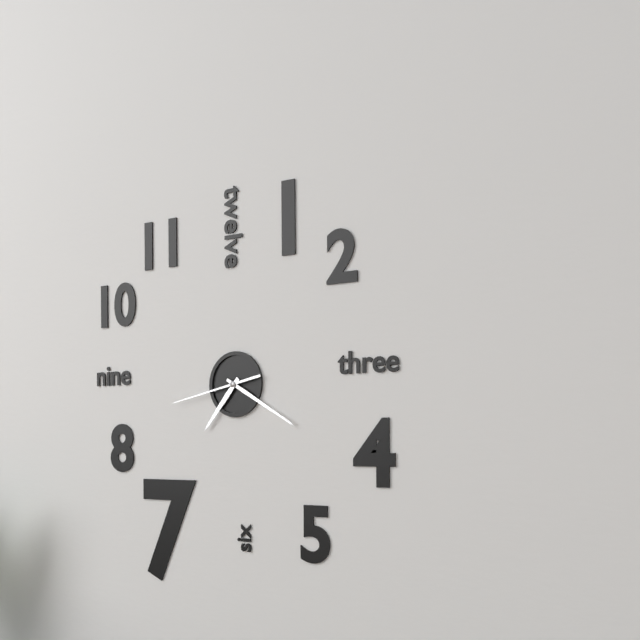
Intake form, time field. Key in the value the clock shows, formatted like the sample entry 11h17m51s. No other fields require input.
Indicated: 7h20m43s
